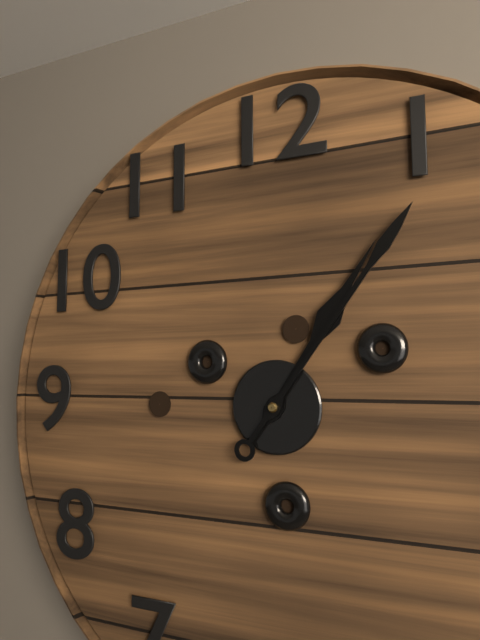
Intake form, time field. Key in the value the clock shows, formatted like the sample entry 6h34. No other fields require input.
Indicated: 1h06
